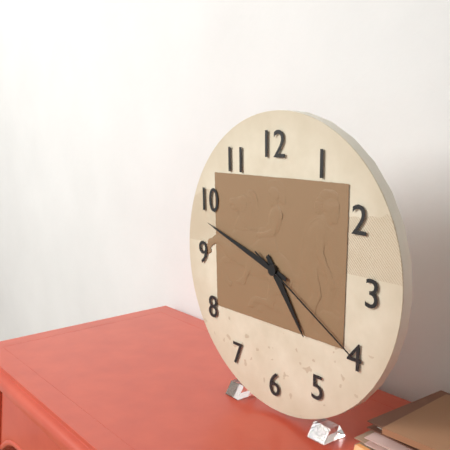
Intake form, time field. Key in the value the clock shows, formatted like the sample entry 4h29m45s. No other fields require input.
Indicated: 4h48m20s
